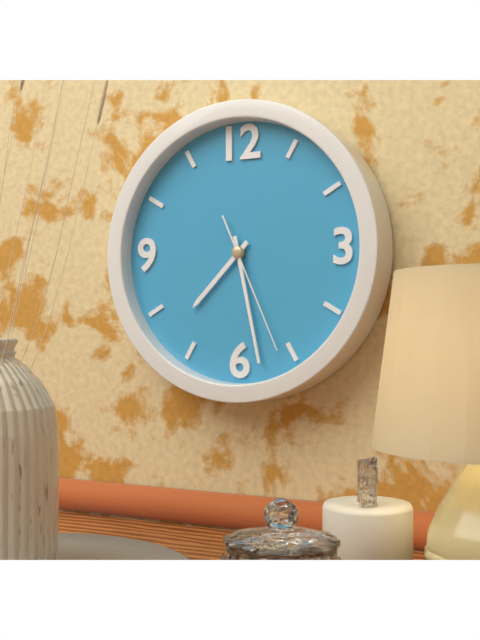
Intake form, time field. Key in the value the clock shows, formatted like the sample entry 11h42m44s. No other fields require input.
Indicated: 7h28m26s
